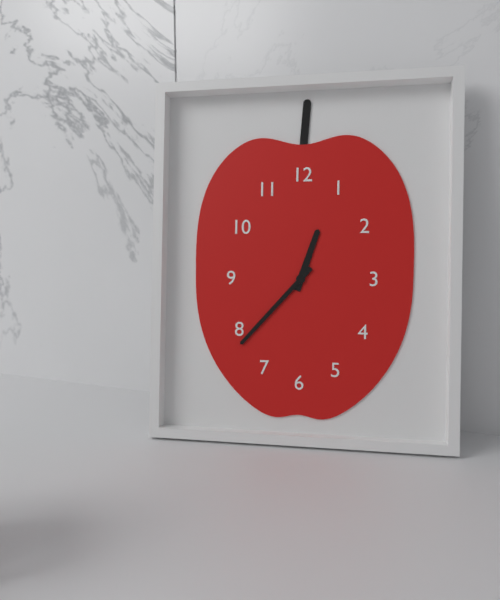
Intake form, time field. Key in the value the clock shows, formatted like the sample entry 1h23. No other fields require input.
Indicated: 12h37
